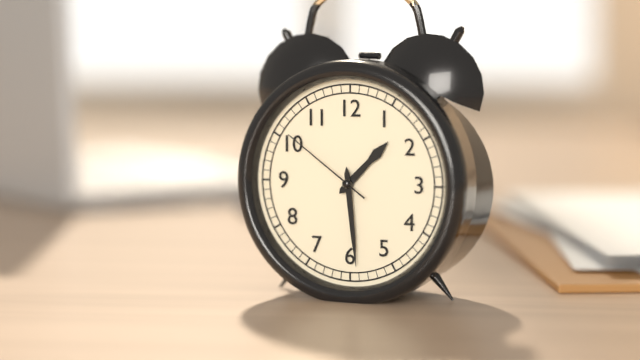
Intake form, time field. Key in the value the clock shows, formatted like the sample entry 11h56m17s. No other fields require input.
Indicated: 1h29m51s
